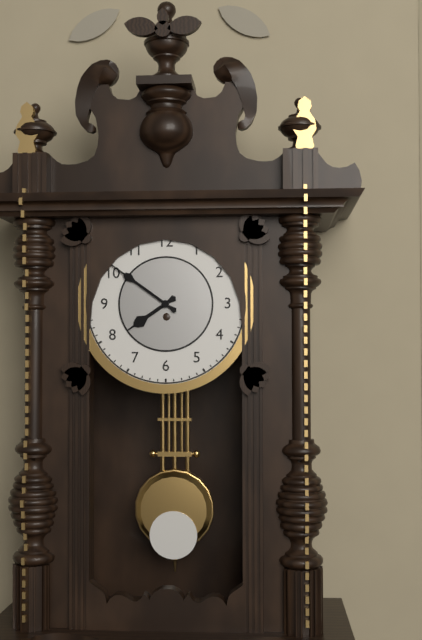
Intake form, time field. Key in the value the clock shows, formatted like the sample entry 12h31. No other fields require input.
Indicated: 7h51
